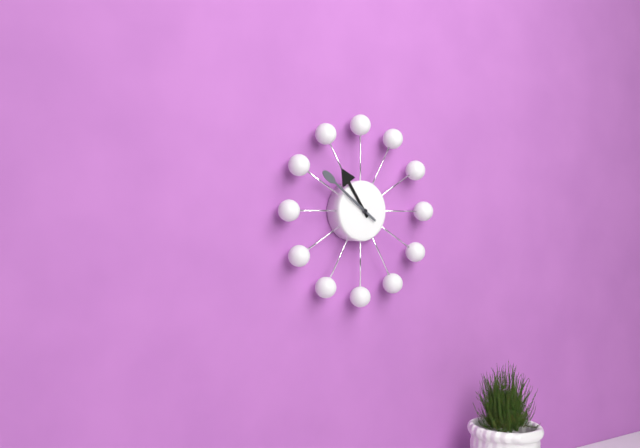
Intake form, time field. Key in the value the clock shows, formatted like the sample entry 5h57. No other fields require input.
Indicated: 10h51
